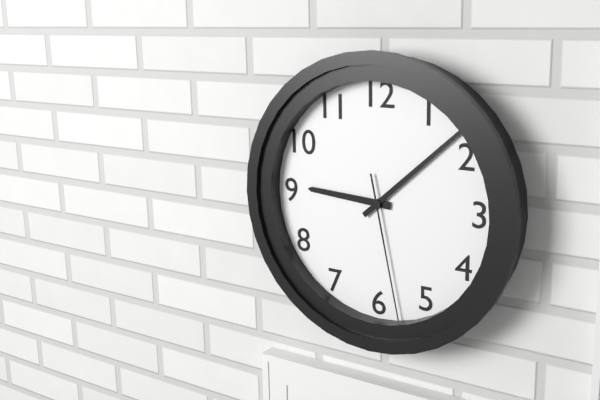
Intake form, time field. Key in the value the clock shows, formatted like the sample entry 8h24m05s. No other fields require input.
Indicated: 9h08m28s
